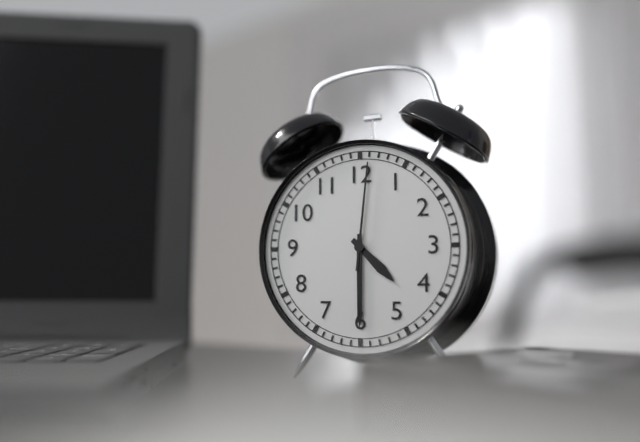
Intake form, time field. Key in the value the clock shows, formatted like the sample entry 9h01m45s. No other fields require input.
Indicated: 4h30m01s
